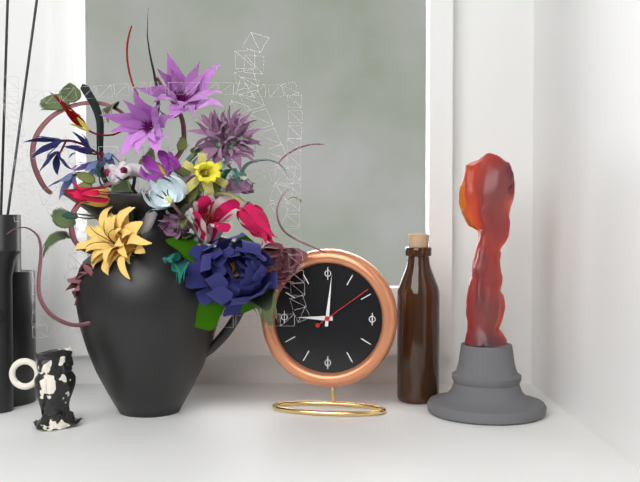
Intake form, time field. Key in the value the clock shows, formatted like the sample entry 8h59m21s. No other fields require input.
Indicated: 9h01m09s
